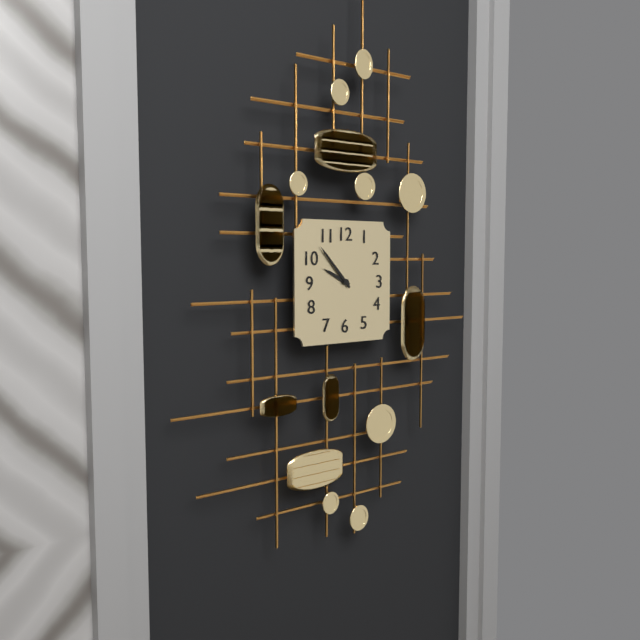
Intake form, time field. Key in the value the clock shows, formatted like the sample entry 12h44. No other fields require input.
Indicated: 9h53
